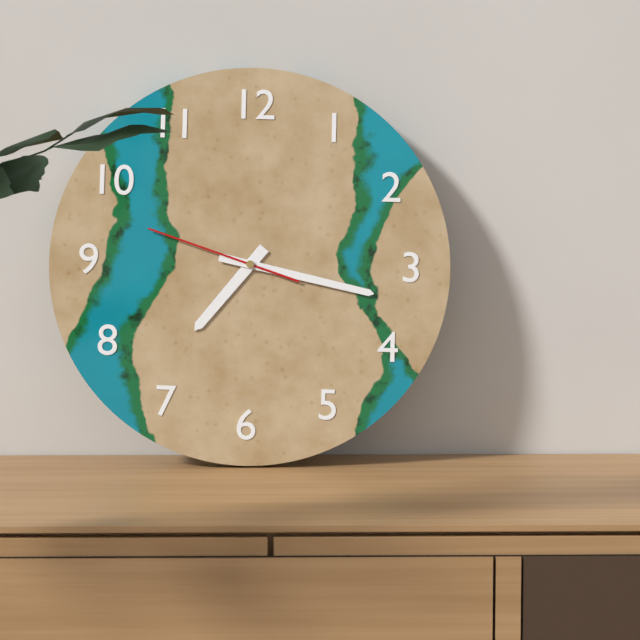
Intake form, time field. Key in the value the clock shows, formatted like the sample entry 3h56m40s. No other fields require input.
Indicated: 7h17m48s
